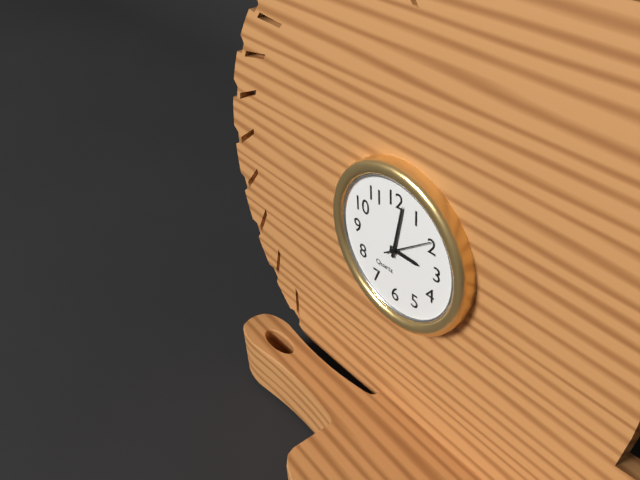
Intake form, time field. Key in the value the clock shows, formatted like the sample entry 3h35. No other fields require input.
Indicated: 3h02
